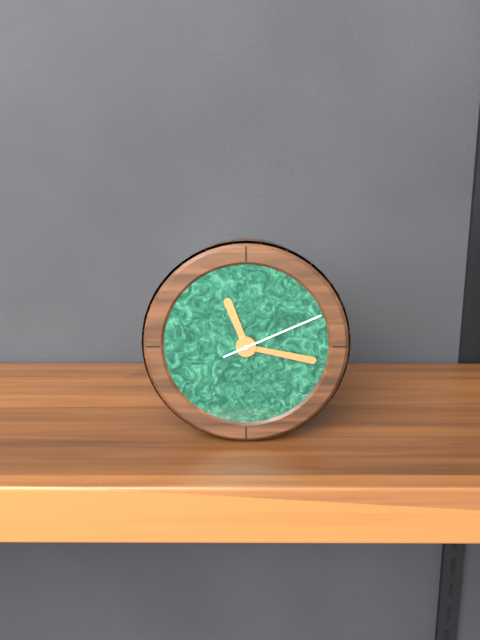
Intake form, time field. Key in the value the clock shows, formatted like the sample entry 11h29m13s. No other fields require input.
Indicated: 11h17m11s
